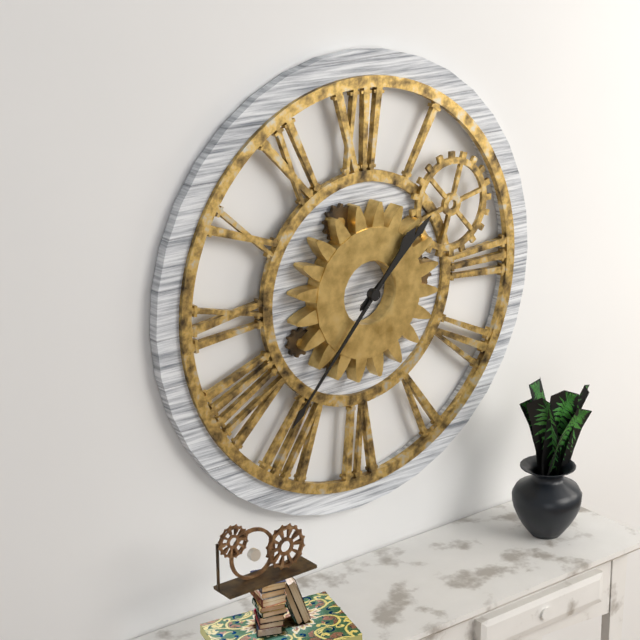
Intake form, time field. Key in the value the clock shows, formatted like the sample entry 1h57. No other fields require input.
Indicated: 1h37
